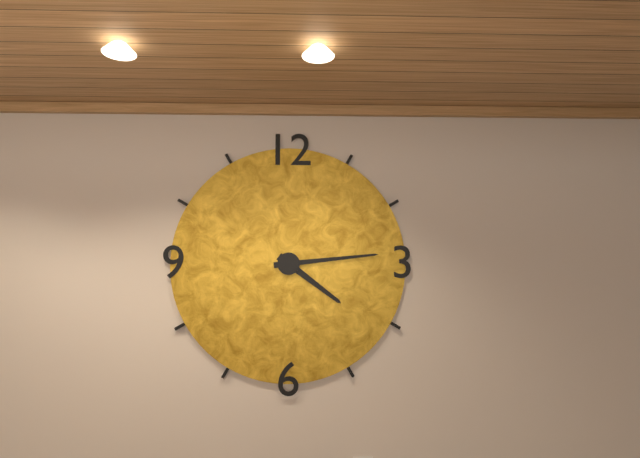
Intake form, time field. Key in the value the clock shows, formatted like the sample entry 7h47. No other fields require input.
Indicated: 4h14
